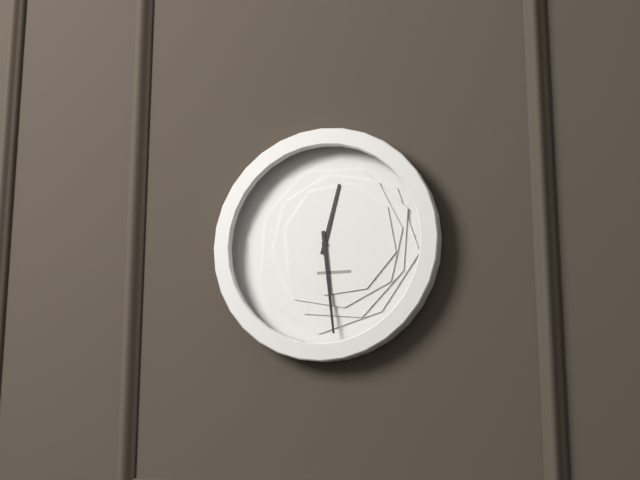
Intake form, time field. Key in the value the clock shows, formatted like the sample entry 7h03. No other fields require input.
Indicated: 12h29
